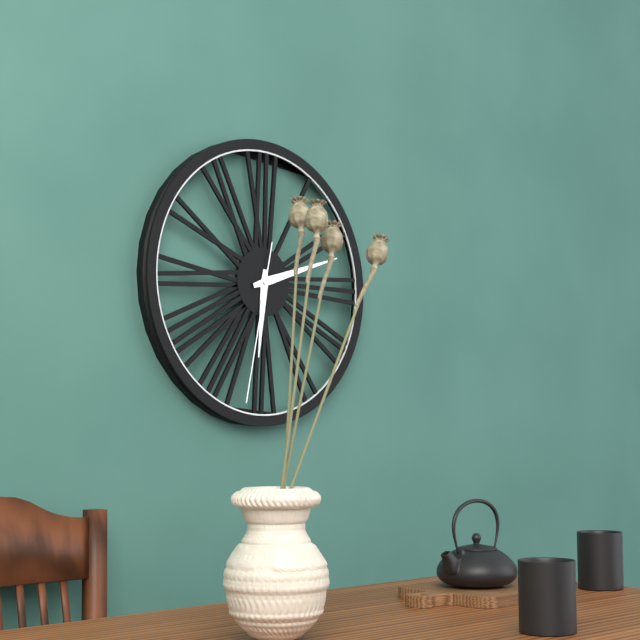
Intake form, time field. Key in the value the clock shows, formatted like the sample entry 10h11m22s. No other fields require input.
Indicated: 6h12m32s
